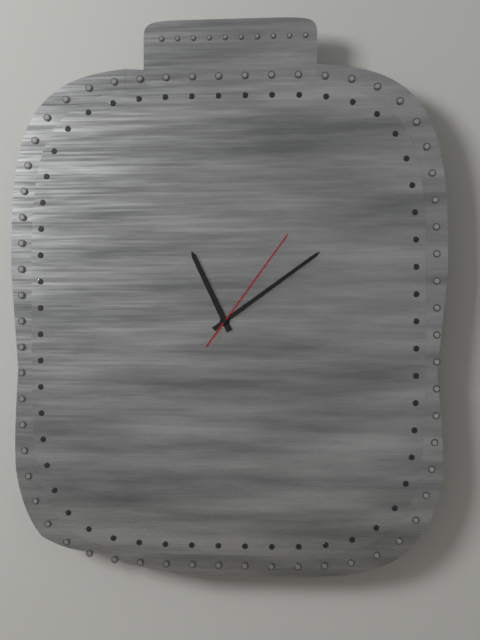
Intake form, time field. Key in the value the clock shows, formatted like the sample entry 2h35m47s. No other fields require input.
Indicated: 11h09m06s
